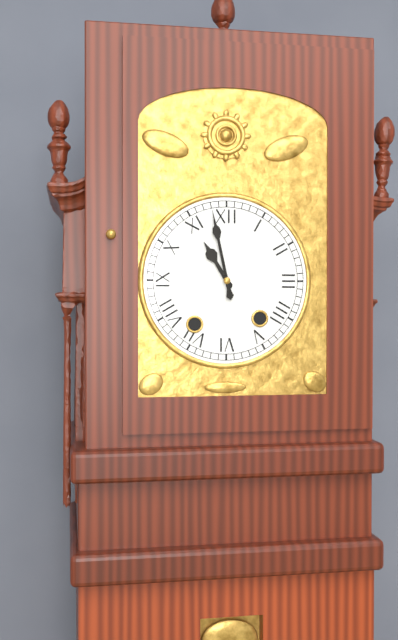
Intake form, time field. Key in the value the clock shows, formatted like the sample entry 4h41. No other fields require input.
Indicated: 10h58
